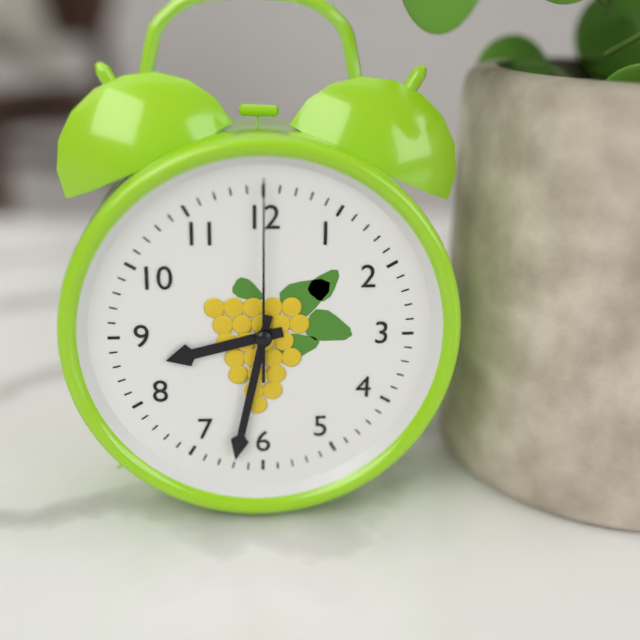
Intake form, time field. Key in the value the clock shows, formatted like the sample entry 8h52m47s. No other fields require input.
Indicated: 8h32m00s
